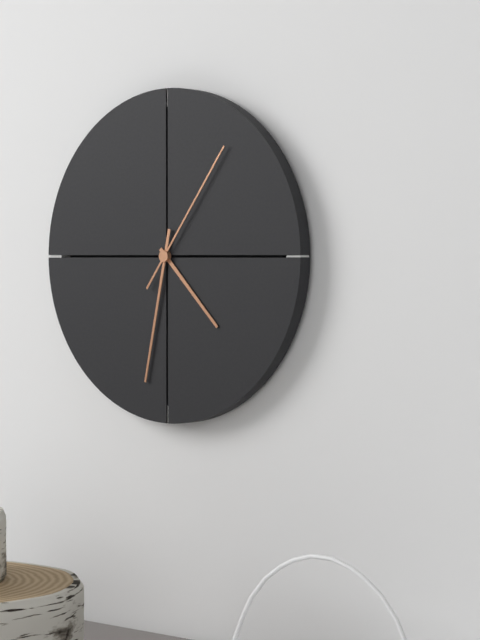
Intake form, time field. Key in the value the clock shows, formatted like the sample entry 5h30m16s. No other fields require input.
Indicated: 4h32m06s
